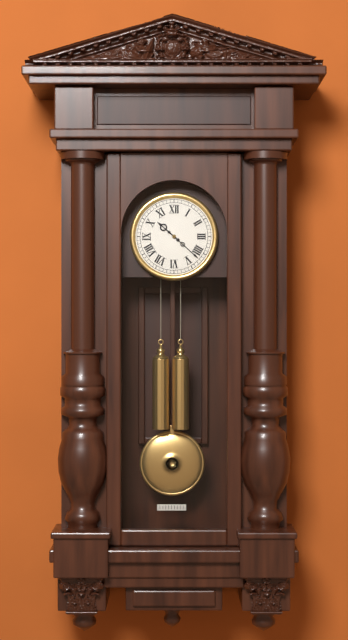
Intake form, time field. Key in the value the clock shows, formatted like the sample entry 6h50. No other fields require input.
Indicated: 10h22
